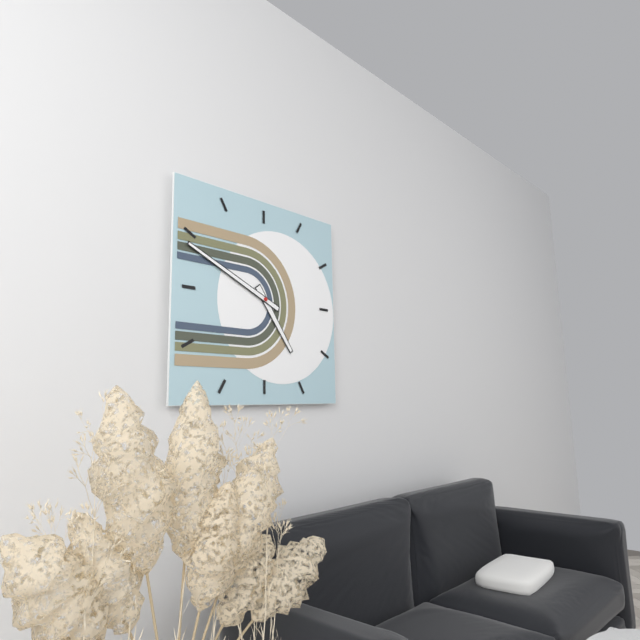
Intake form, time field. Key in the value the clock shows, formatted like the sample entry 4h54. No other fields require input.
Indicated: 4h49
